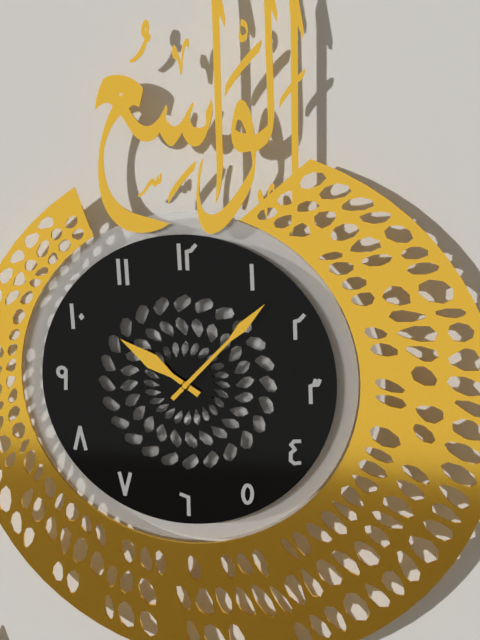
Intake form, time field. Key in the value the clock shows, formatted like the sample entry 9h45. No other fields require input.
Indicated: 10h07
